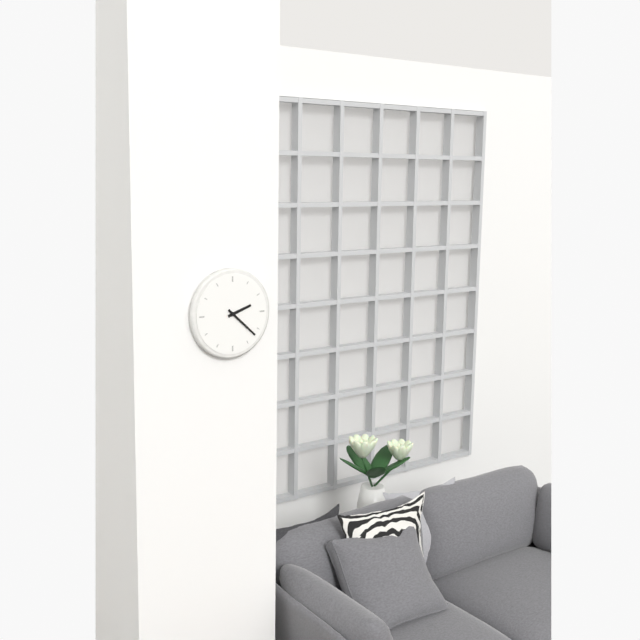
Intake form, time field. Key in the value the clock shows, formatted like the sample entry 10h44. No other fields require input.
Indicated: 2h22
